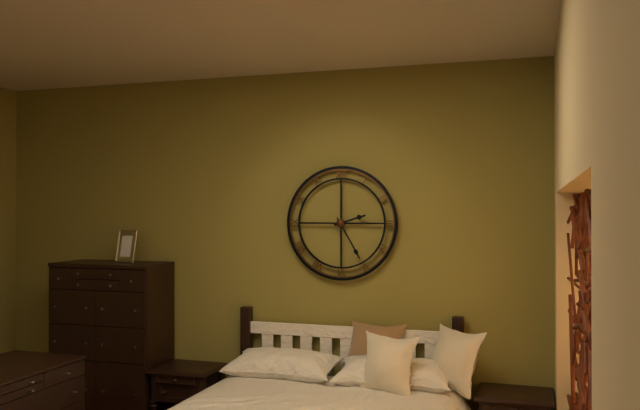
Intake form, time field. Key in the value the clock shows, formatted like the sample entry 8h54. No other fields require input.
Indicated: 2h25
